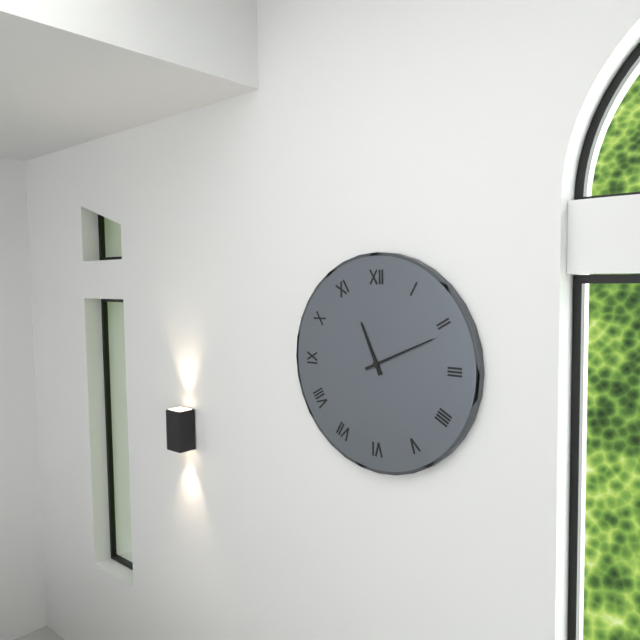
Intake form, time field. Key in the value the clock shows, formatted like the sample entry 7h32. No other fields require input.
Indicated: 11h11
